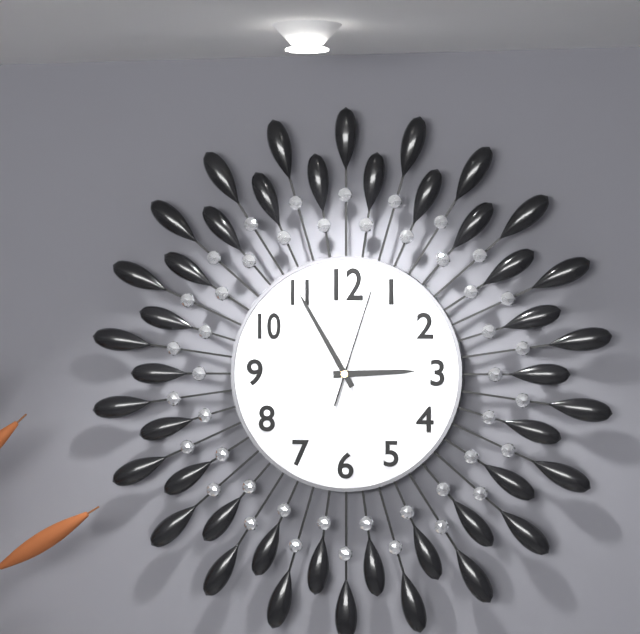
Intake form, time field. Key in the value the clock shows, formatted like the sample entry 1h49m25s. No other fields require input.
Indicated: 2h55m03s
